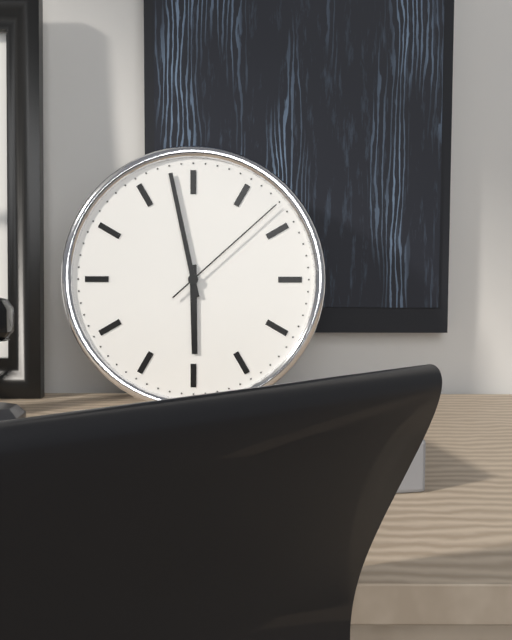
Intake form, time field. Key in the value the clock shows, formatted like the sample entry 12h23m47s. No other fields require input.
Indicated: 5h58m08s
